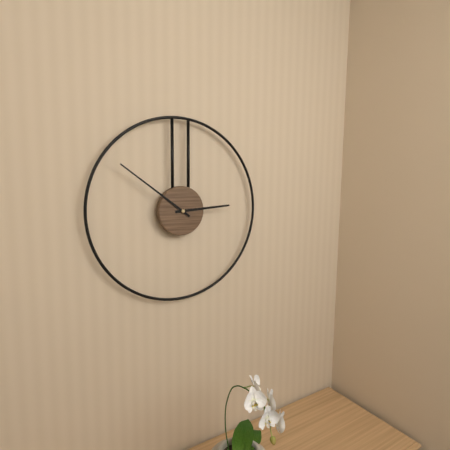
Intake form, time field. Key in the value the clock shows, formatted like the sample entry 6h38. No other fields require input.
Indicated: 2h51
